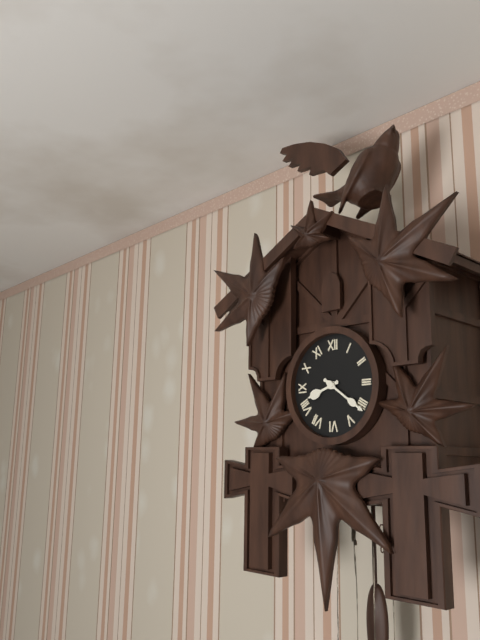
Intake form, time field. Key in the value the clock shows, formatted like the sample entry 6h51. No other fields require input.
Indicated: 8h21
